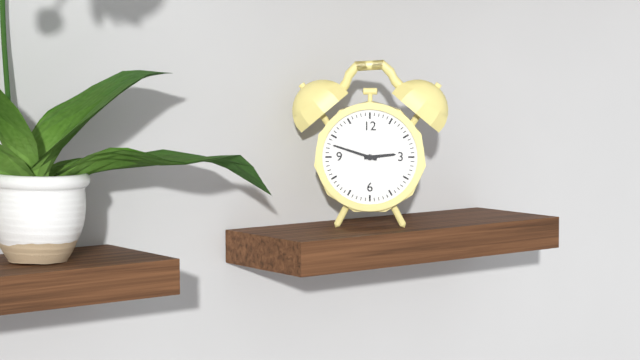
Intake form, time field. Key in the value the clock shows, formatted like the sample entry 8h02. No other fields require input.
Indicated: 2h48
